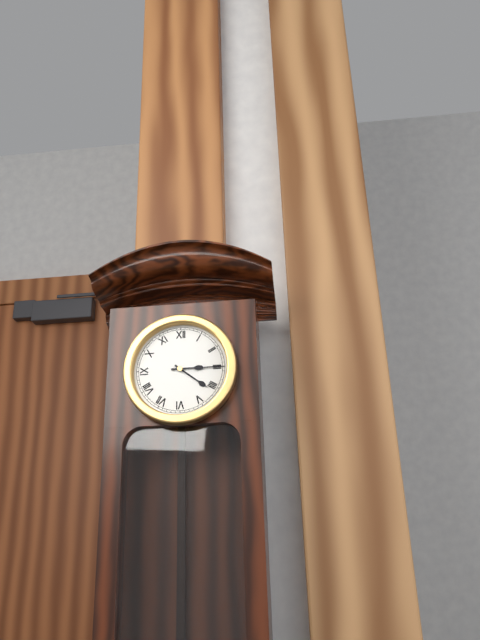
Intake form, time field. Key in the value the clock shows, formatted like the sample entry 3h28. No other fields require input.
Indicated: 4h15
